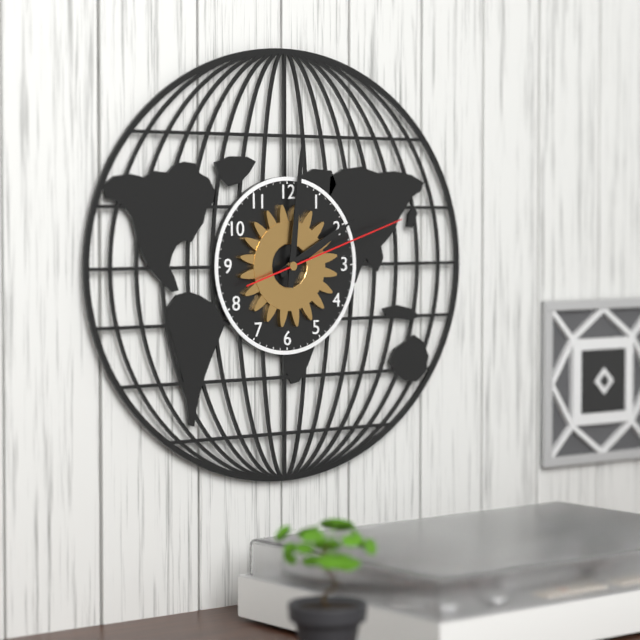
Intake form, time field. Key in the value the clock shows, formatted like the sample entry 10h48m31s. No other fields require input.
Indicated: 2h01m12s
